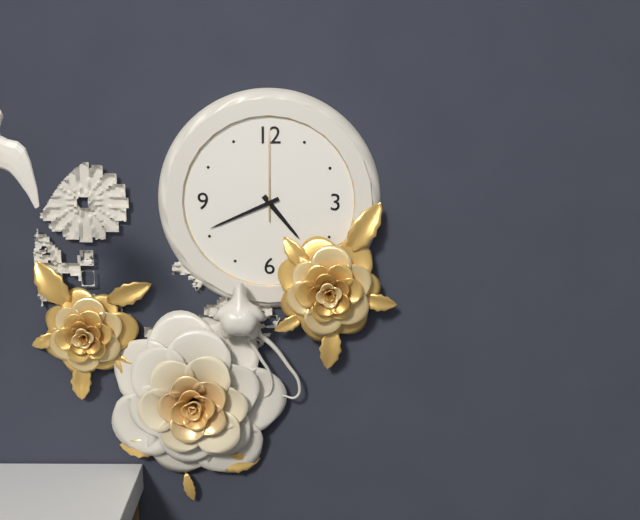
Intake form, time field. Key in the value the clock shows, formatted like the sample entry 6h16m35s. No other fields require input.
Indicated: 4h41m00s
